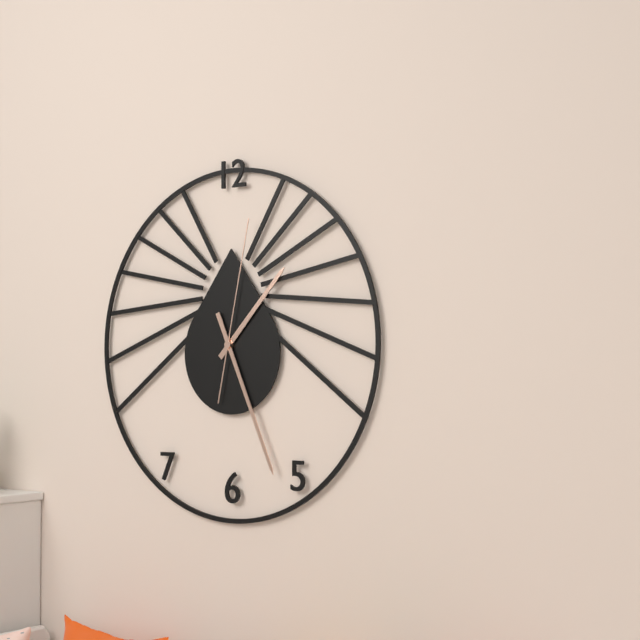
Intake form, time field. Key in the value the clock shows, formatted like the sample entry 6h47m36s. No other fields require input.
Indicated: 1h26m02s
